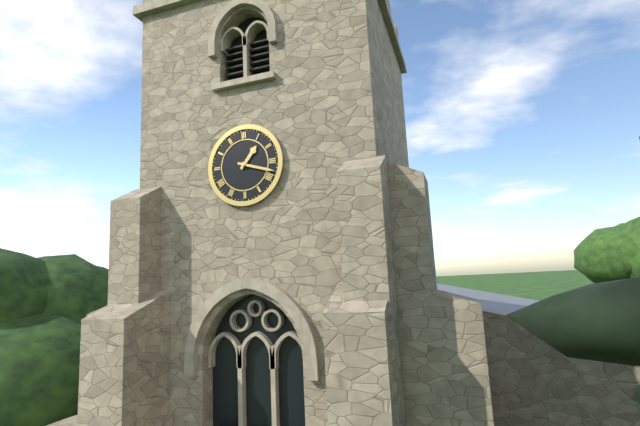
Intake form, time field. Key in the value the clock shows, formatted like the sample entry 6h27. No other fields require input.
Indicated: 1h18
